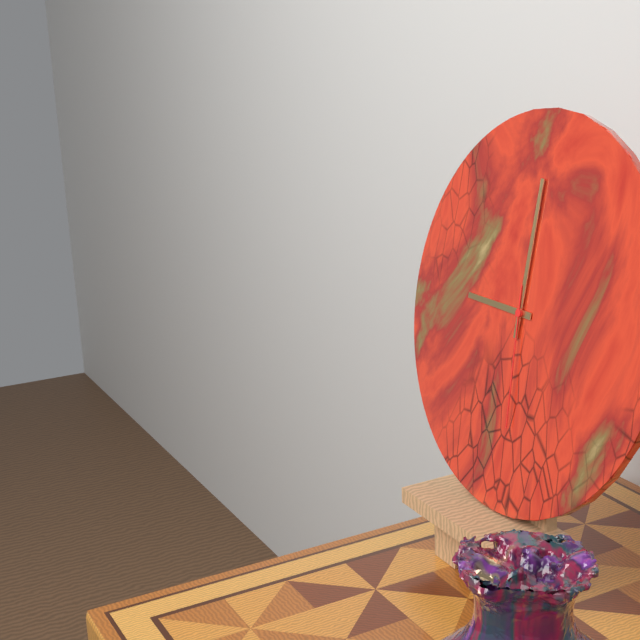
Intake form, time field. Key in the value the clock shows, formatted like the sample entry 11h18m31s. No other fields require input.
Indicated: 9h00m29s
